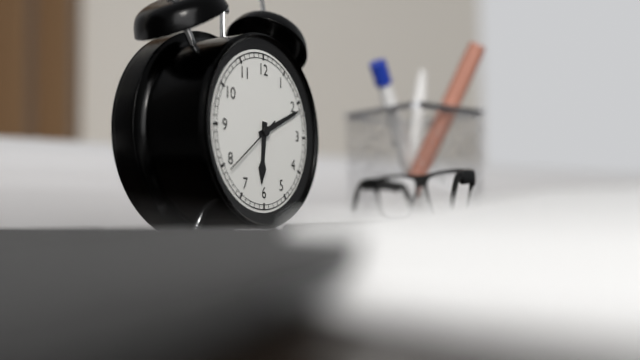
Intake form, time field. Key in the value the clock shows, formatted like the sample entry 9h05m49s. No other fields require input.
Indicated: 6h11m39s
